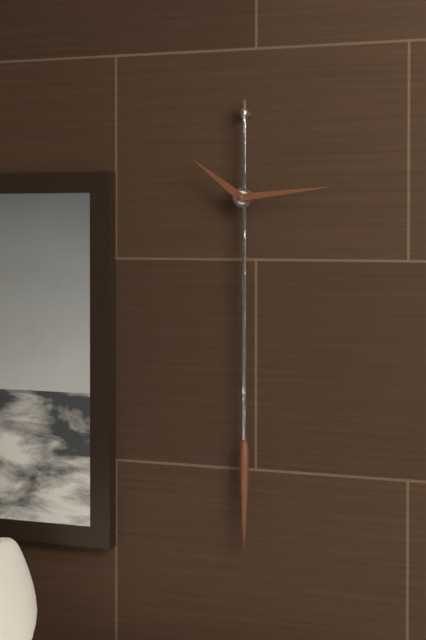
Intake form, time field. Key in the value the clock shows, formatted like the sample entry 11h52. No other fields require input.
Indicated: 10h14
